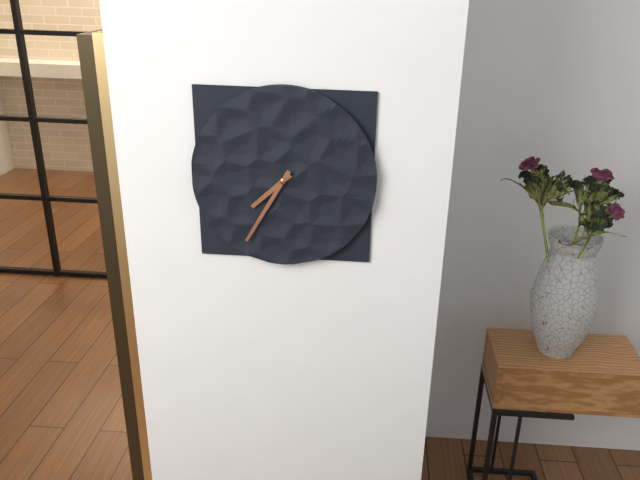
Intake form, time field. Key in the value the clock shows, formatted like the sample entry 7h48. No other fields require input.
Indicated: 7h35
